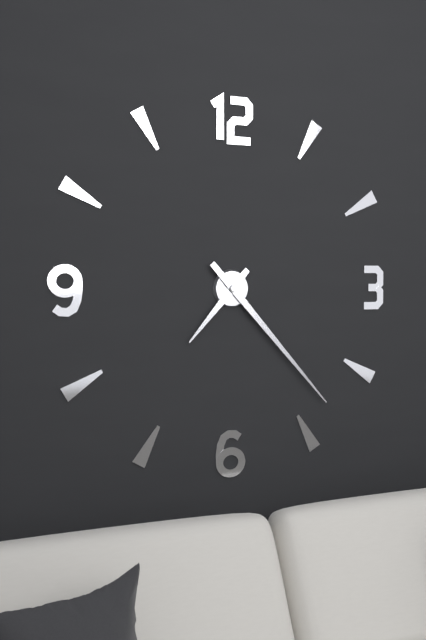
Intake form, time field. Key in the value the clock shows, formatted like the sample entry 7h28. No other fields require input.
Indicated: 7h23
